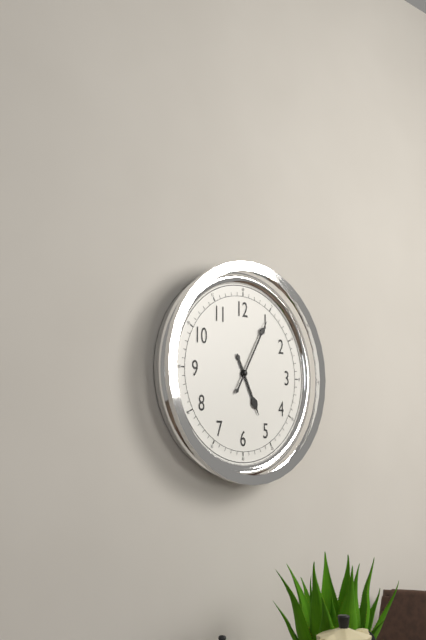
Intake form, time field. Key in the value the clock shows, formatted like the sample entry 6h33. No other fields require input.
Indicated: 5h05
